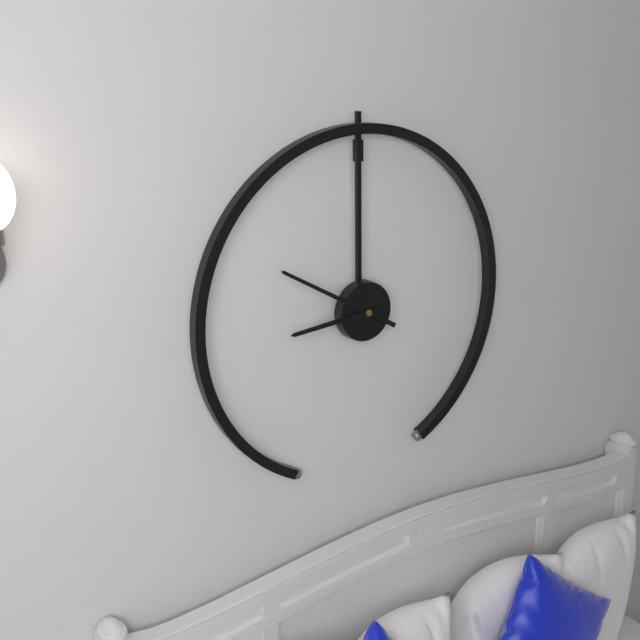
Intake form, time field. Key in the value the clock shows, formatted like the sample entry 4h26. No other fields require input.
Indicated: 8h50
